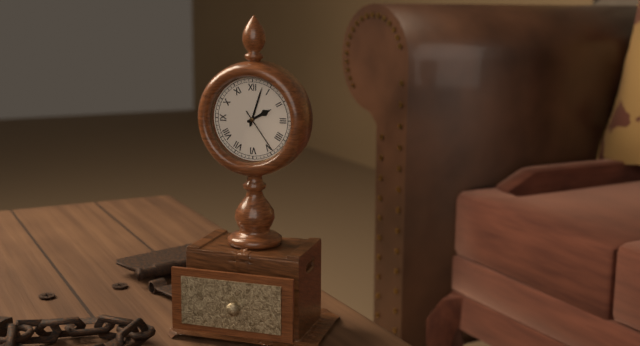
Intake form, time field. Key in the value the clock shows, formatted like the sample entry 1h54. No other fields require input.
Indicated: 2h03
